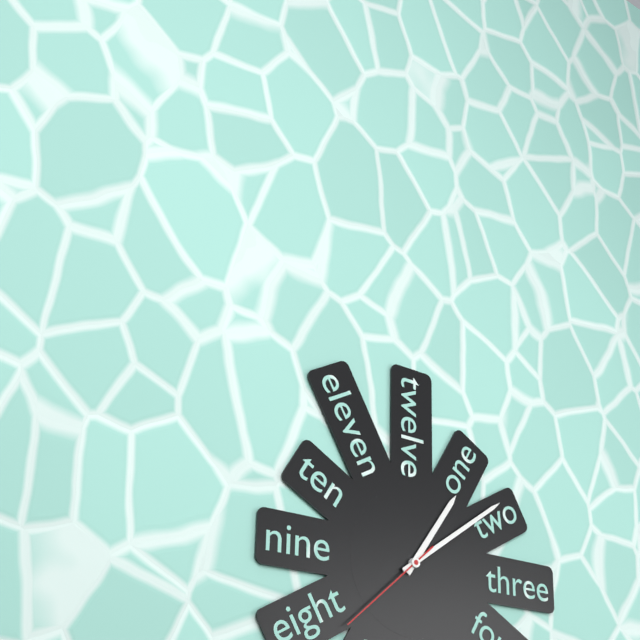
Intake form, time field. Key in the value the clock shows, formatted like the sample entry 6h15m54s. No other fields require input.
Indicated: 1h09m38s
